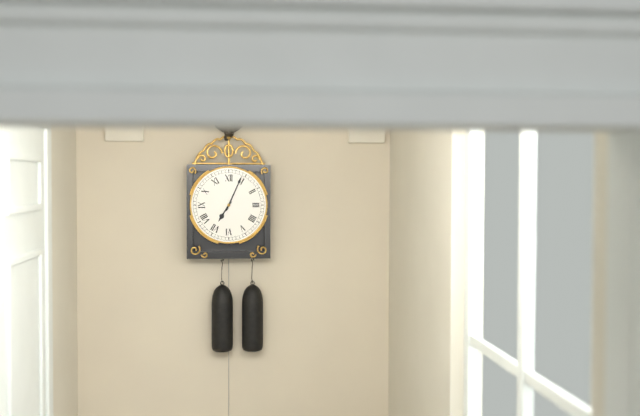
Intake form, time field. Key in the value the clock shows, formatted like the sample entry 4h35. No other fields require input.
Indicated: 7h04
